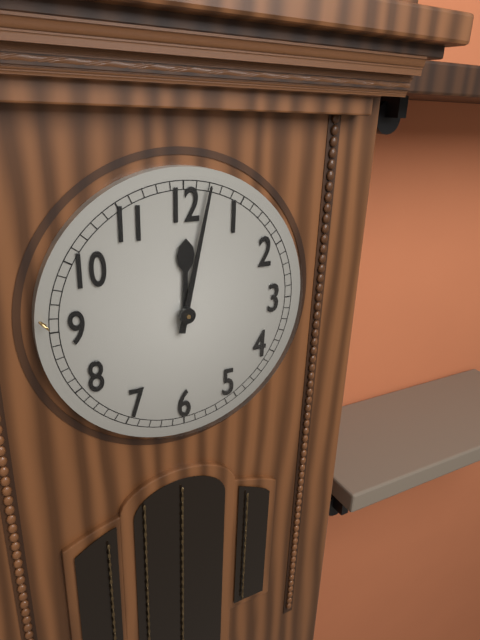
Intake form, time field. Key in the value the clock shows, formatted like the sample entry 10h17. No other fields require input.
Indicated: 12h02
